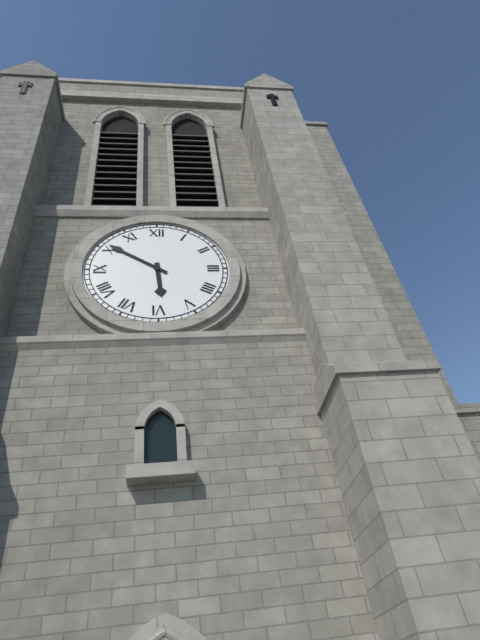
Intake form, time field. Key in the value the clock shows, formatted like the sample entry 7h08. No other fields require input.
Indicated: 5h51
